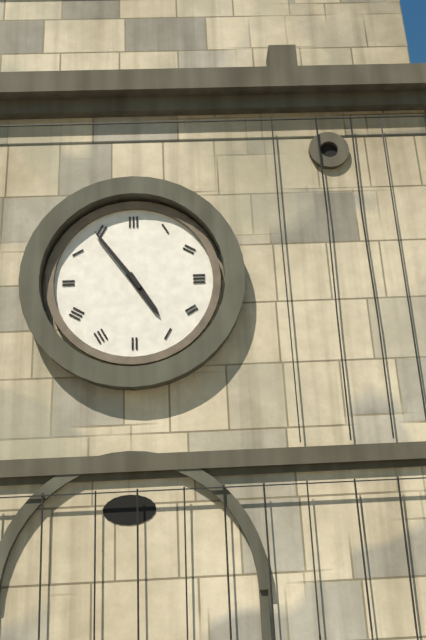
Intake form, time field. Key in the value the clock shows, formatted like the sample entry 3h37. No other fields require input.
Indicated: 4h54
